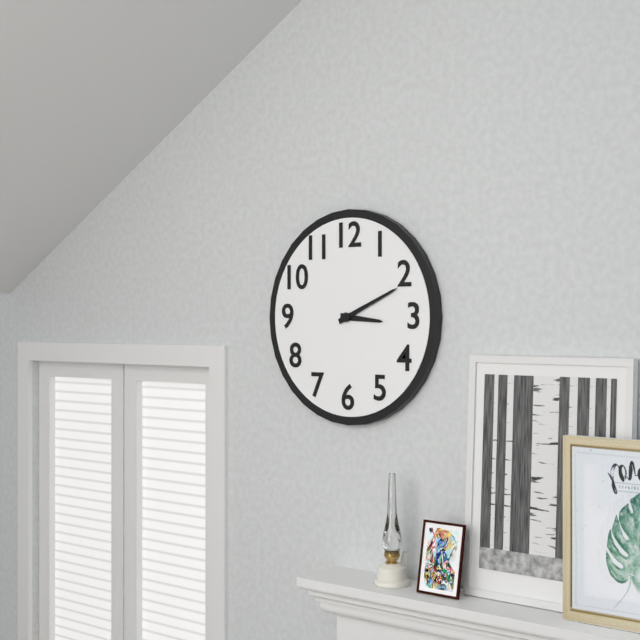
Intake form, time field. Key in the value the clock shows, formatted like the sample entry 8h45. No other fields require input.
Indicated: 3h11
